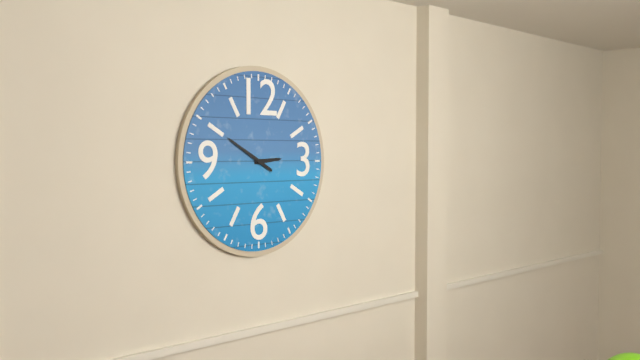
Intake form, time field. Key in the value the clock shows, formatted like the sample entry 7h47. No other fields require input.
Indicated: 2h50
